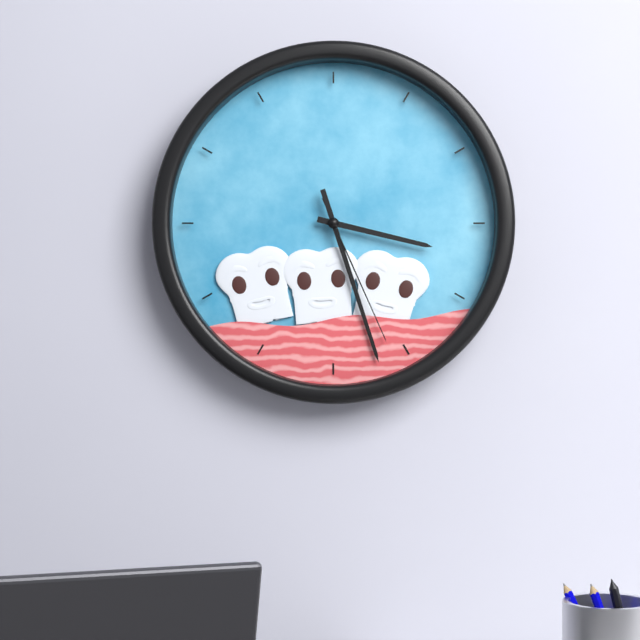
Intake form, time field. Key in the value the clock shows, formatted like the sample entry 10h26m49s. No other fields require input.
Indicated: 3h27m26s
